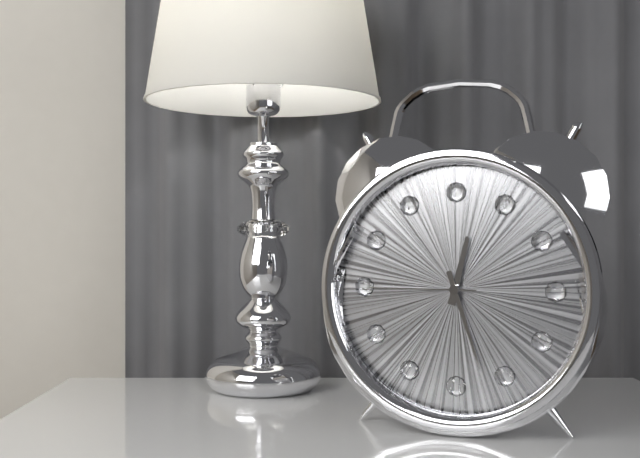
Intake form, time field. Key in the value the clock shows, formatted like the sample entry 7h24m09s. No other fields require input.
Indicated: 12h27m45s
